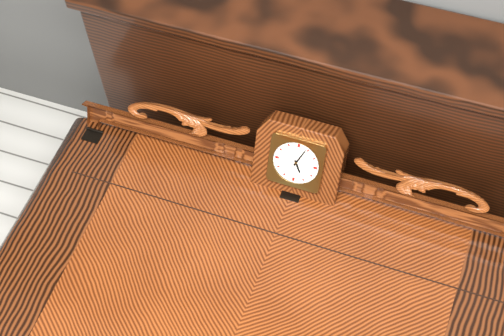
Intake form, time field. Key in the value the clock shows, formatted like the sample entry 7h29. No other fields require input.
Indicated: 5h04
